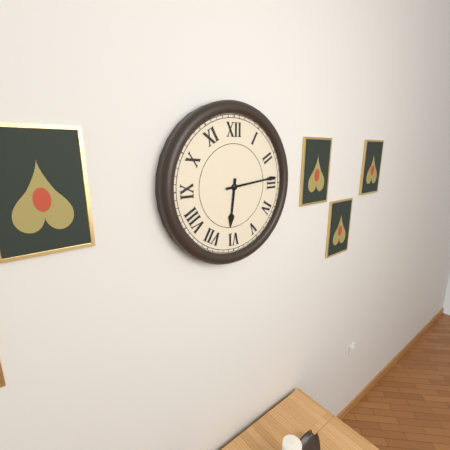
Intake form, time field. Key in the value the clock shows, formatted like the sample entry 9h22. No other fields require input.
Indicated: 6h14
